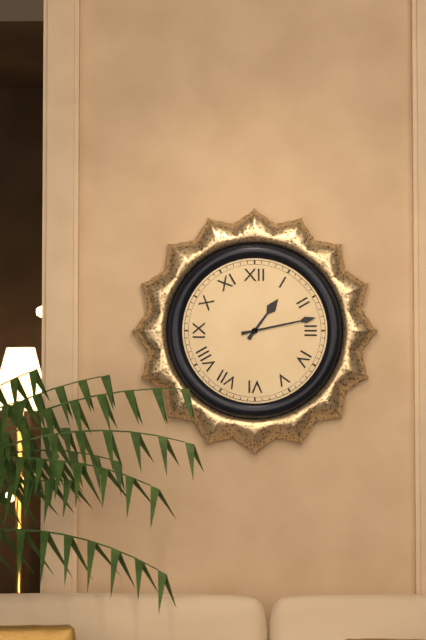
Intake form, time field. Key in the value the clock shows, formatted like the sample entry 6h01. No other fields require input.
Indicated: 1h13
